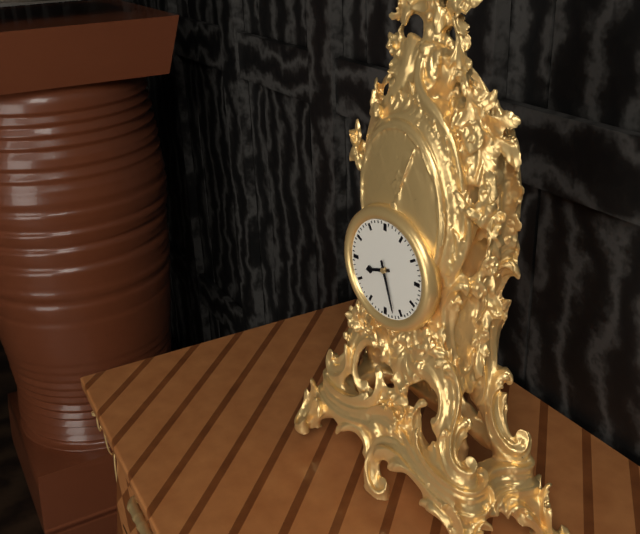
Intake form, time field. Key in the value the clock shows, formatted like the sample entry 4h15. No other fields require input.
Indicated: 8h27
